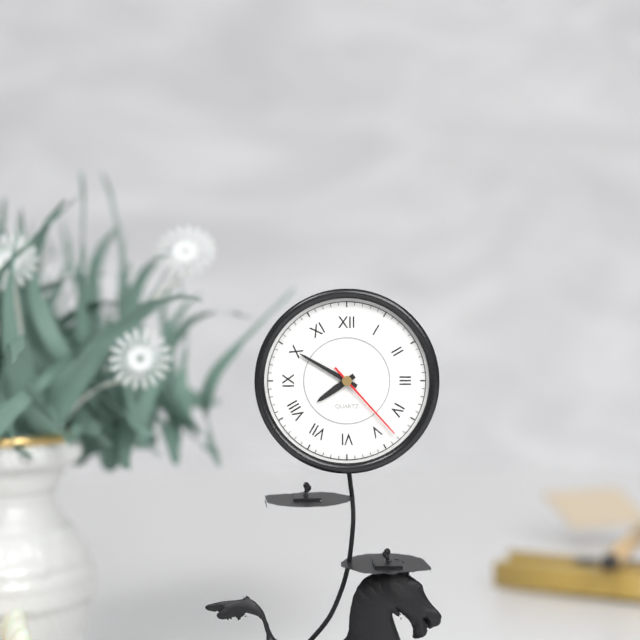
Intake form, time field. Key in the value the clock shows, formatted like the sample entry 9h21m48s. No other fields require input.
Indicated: 7h50m23s
